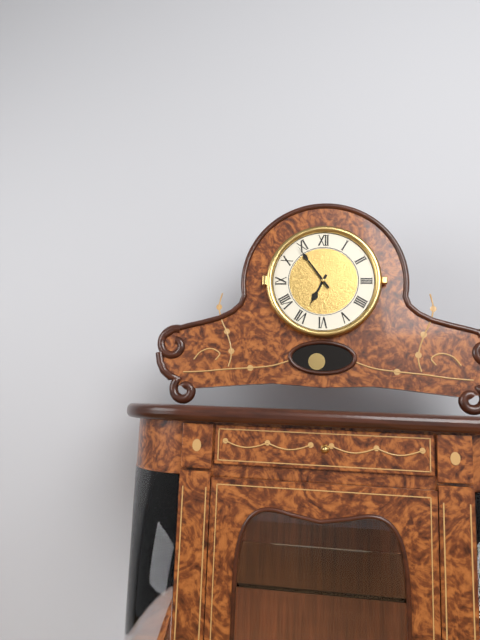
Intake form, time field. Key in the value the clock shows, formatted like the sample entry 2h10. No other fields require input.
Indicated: 6h54
